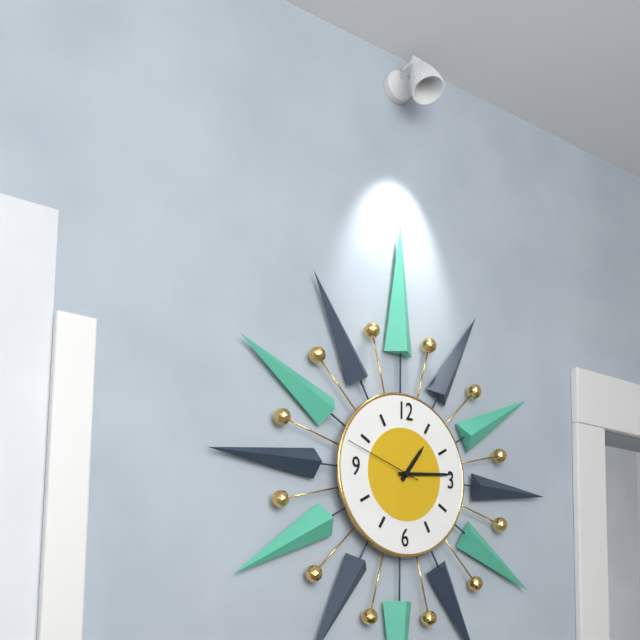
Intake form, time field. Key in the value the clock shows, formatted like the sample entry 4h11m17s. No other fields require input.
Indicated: 1h14m48s
